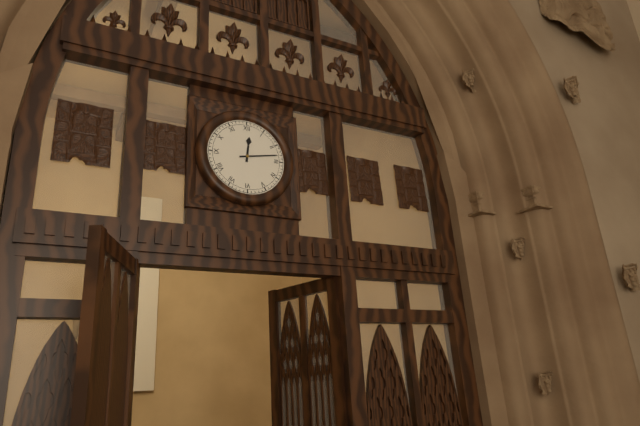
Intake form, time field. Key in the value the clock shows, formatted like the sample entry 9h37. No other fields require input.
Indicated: 12h13
